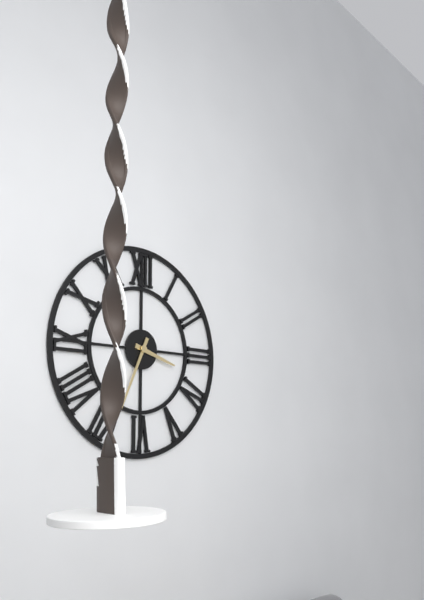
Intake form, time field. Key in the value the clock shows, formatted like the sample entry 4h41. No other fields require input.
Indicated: 3h34
